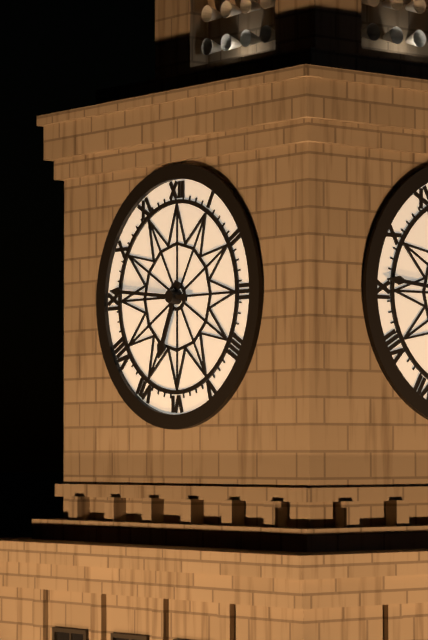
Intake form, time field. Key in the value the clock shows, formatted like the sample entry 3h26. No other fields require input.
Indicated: 6h46
